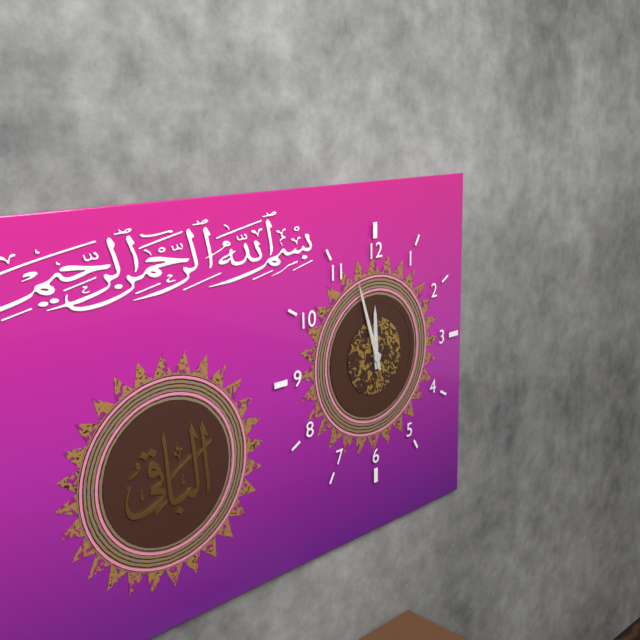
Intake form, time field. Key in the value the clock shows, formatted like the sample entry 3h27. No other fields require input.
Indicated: 11h57
